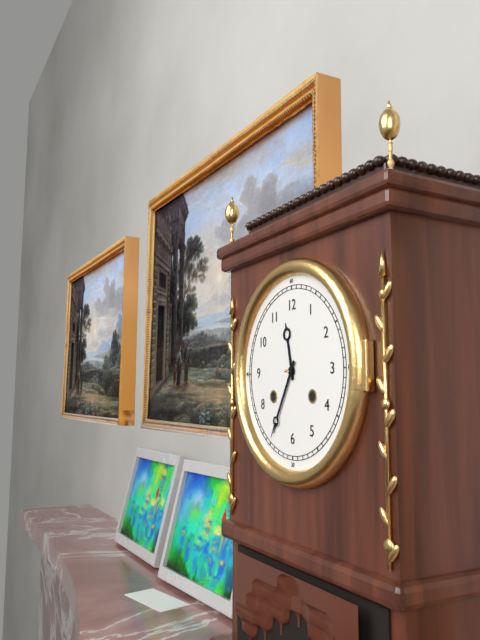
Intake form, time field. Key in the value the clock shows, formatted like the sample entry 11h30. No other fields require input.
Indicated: 11h35
